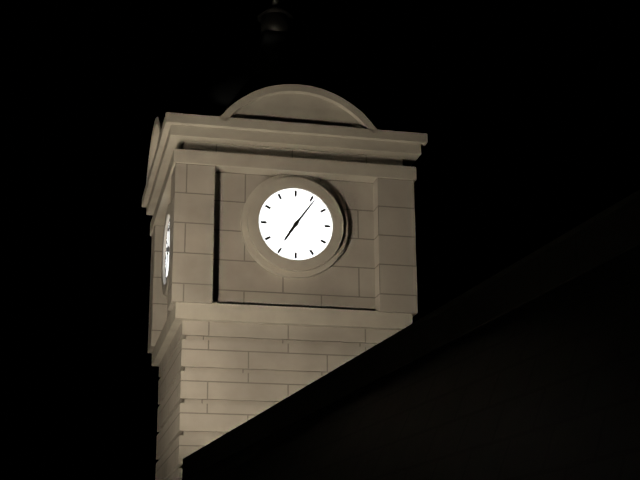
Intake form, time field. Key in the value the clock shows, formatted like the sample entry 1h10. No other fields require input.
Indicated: 7h06
